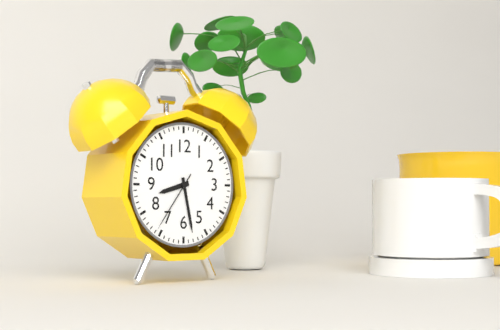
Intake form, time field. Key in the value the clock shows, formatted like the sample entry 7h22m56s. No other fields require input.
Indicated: 8h28m36s
